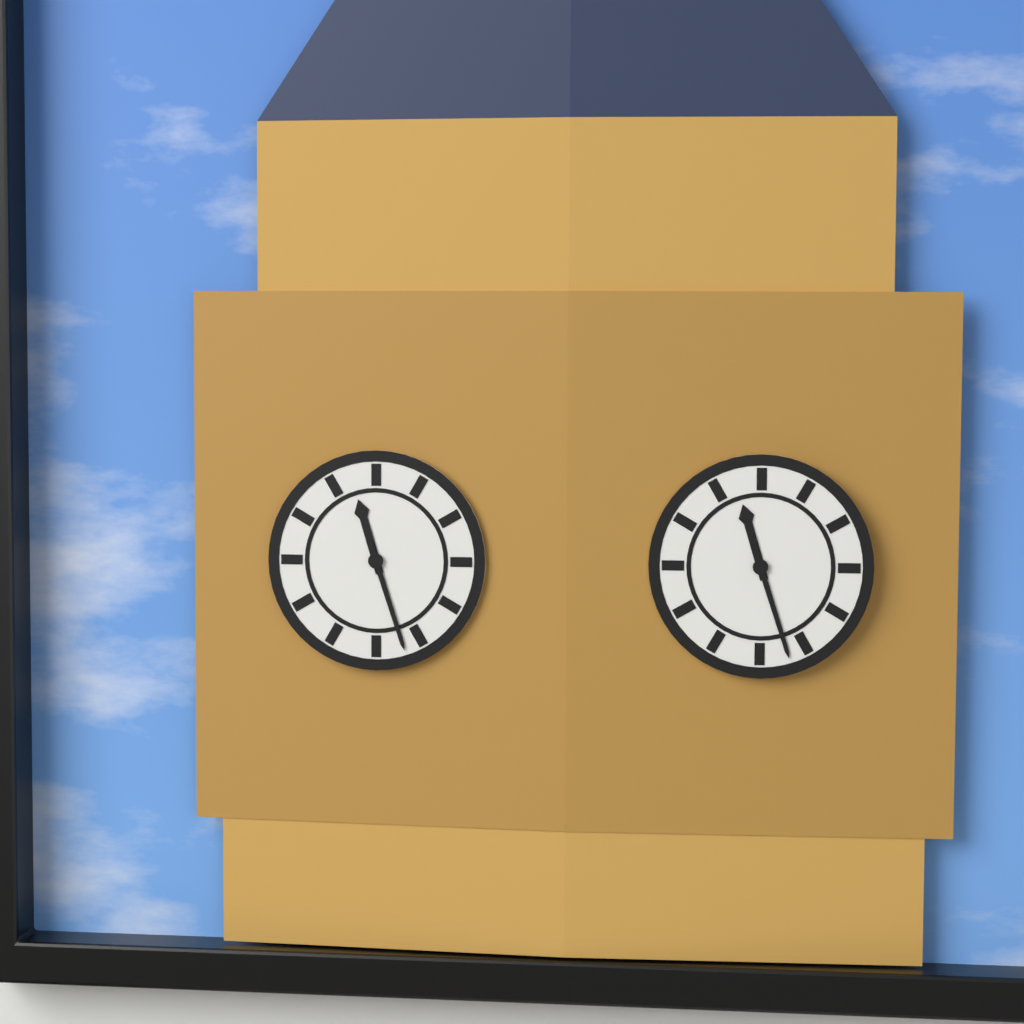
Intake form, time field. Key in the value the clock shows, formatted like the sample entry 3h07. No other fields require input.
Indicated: 11h27
